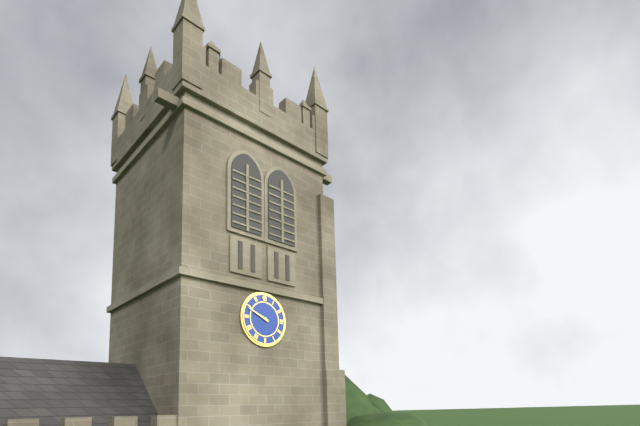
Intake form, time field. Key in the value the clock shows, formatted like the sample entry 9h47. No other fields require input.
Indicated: 9h49
